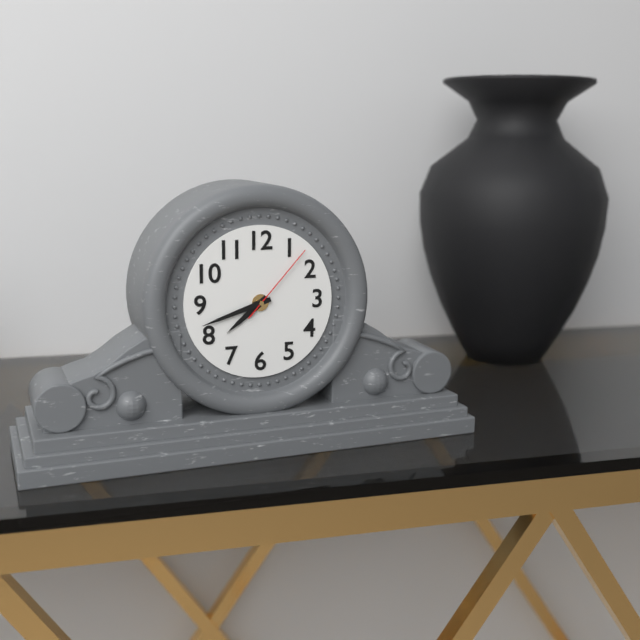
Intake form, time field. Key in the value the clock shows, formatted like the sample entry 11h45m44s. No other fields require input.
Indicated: 7h42m07s
